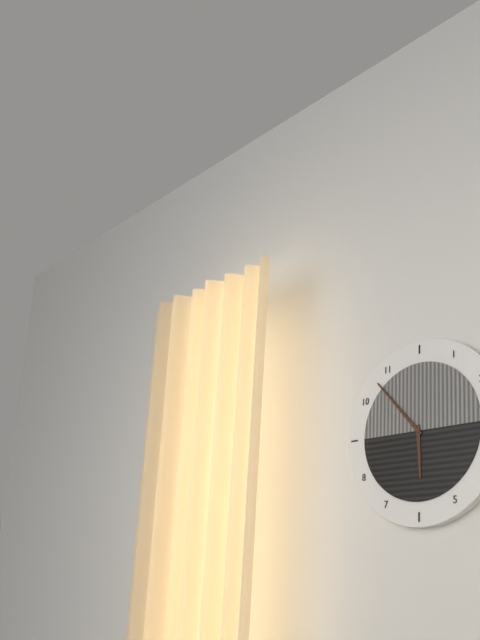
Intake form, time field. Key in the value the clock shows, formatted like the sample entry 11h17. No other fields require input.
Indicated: 5h53
